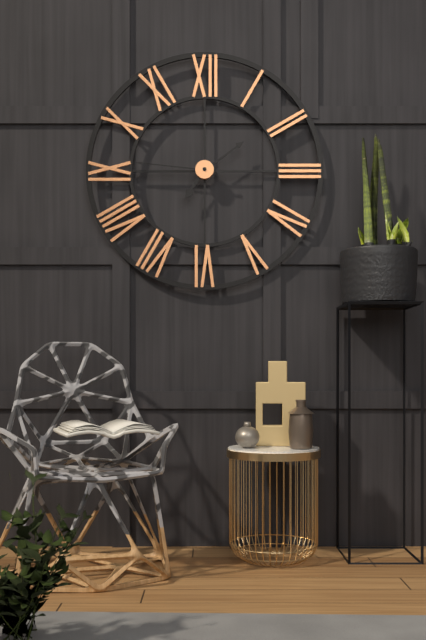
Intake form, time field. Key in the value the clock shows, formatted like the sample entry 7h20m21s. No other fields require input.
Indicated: 7h09m46s
